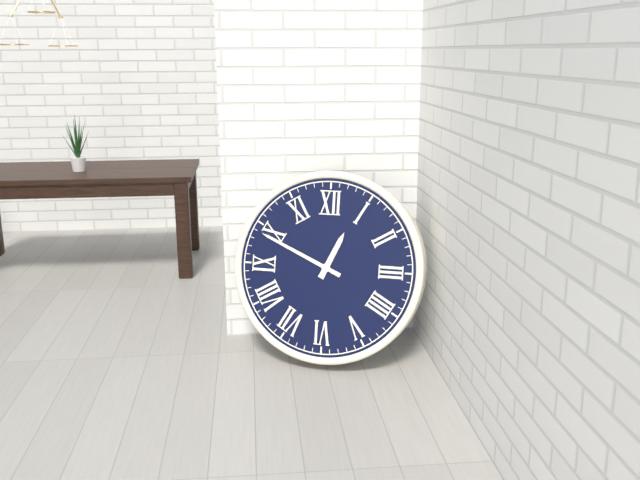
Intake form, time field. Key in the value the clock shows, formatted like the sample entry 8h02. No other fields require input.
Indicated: 12h49
